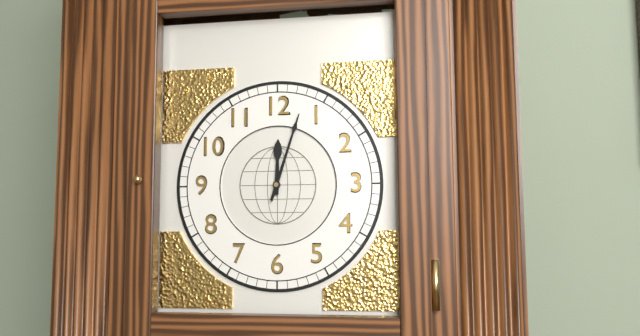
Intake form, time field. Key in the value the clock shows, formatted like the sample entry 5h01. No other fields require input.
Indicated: 12h03
